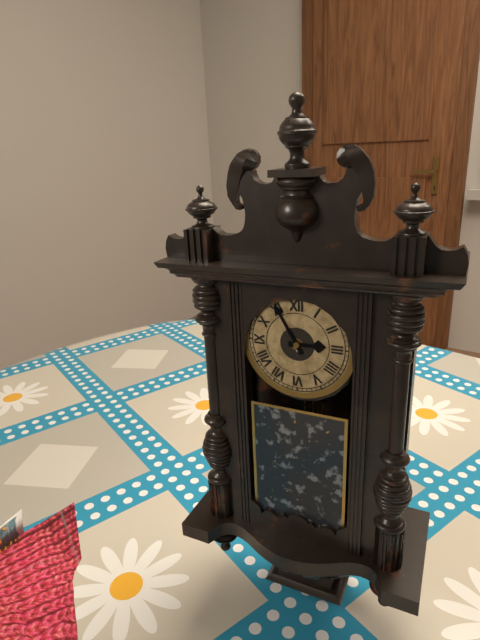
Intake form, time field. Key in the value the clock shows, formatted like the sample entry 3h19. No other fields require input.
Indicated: 2h55
